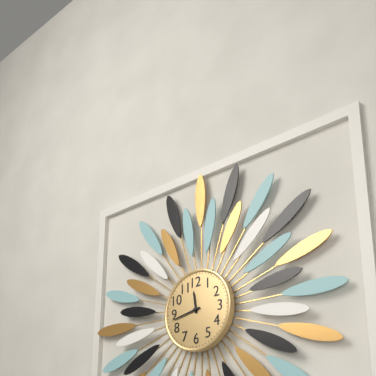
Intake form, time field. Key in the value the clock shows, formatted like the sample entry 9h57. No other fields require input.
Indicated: 11h43
